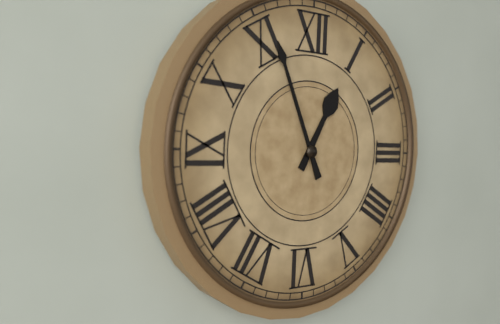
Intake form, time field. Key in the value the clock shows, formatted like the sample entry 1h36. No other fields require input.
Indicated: 12h56
